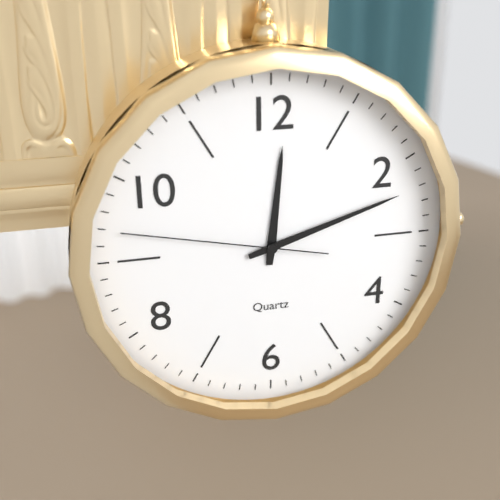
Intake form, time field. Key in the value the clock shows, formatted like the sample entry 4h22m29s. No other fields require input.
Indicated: 12h12m47s
